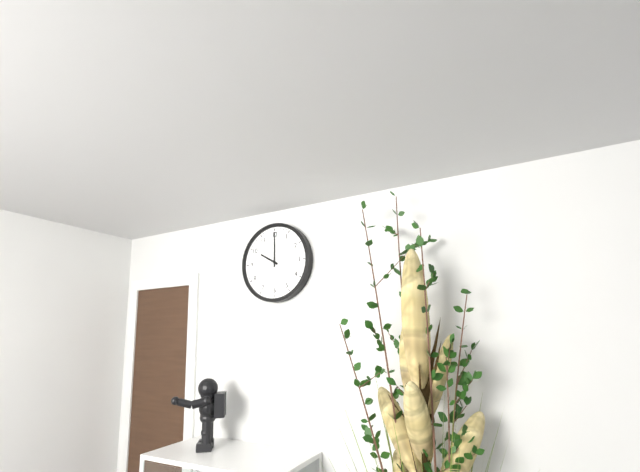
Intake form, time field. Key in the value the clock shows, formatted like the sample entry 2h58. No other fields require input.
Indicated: 10h00
